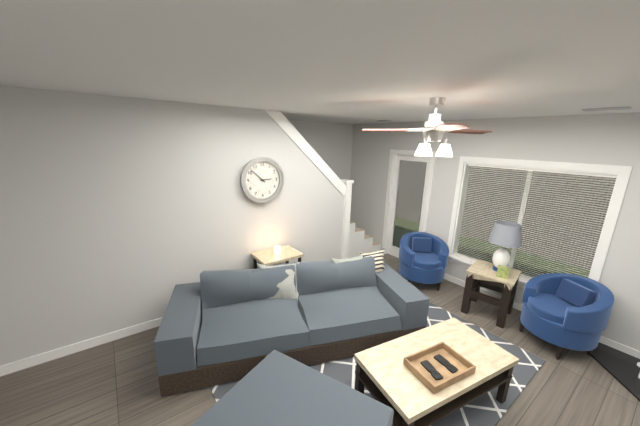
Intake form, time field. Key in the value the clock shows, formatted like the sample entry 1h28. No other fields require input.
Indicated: 2h52
